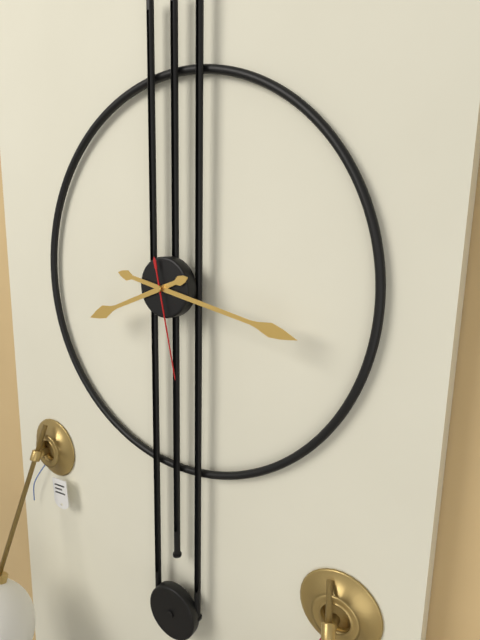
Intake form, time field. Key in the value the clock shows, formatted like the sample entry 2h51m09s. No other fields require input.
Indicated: 8h17m28s
